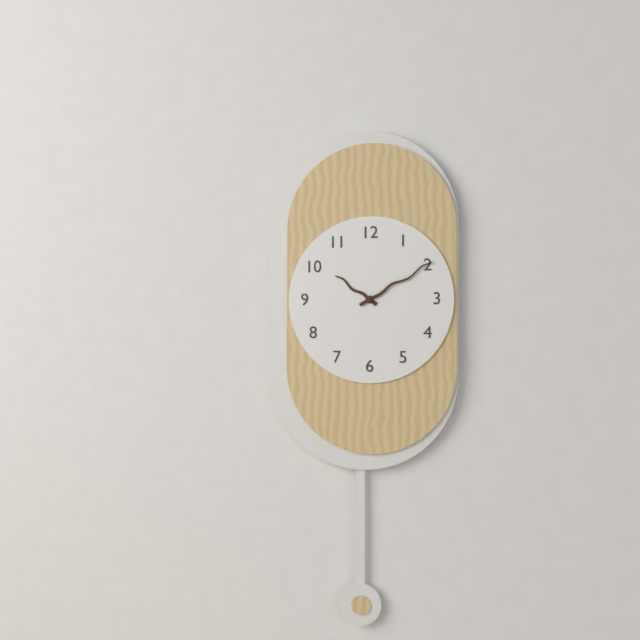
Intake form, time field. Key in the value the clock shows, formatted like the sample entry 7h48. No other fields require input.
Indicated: 10h10
